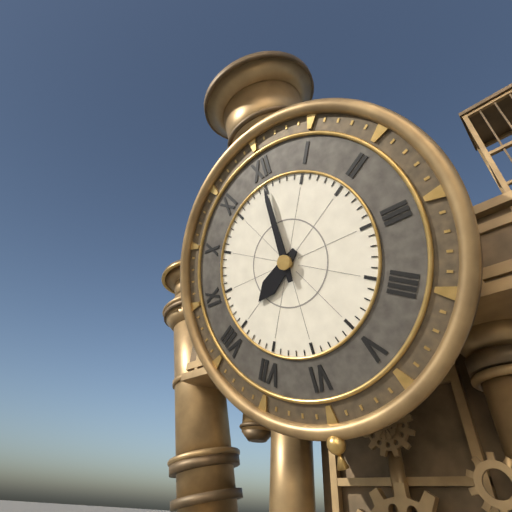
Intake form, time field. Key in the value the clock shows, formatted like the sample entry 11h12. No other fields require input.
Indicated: 8h00
